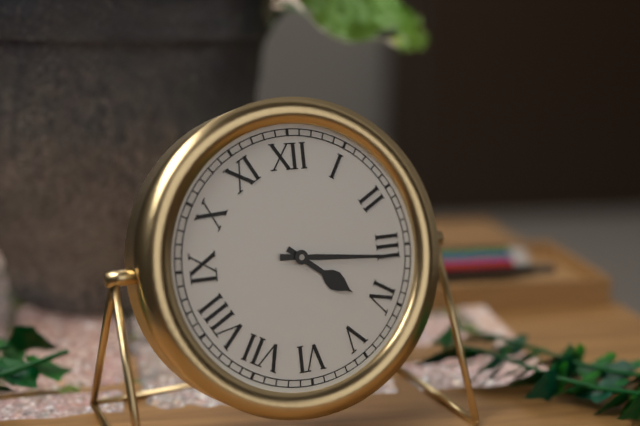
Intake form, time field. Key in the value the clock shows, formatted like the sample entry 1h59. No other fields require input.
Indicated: 4h16
